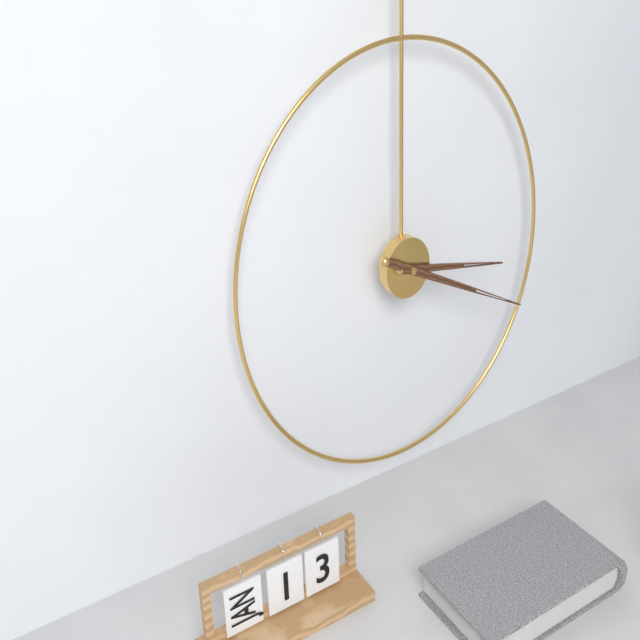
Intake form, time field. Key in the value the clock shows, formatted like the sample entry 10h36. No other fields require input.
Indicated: 3h19
